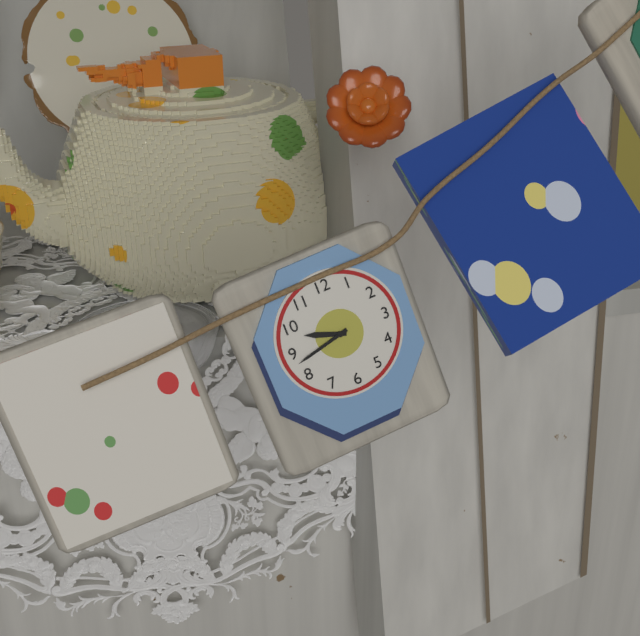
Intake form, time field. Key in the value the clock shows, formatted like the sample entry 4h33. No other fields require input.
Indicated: 9h43
